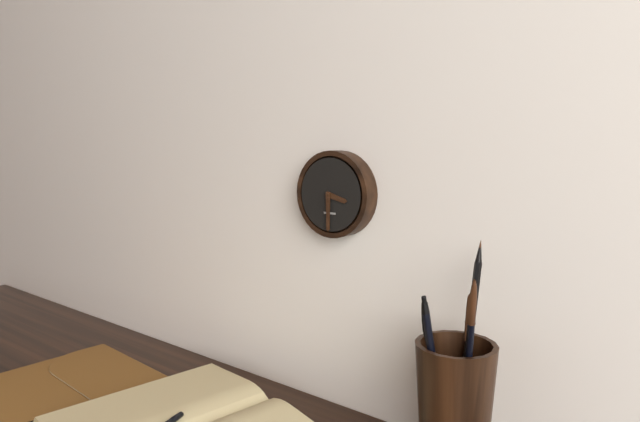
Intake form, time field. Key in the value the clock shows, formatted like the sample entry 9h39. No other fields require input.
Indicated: 3h30
